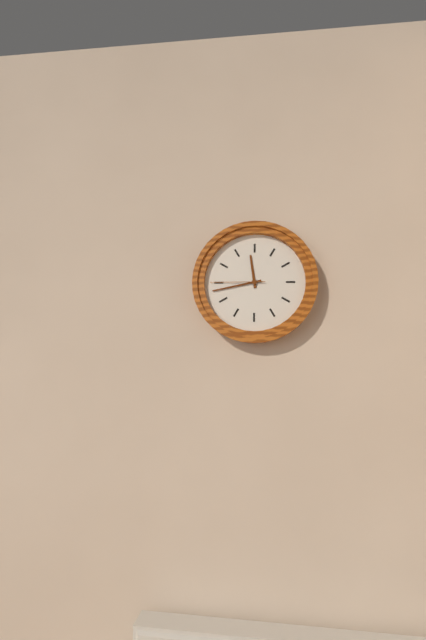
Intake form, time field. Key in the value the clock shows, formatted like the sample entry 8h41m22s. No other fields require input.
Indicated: 11h43m45s
